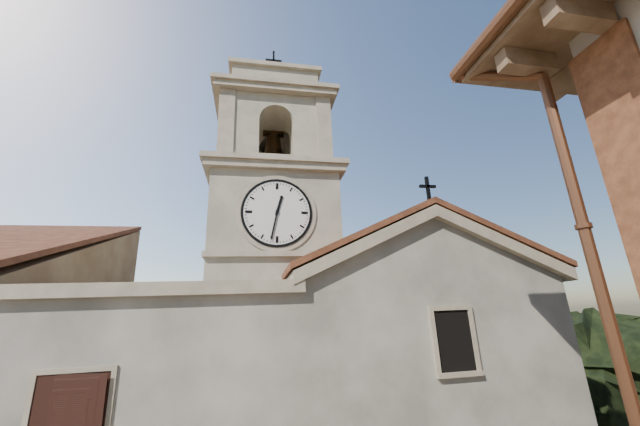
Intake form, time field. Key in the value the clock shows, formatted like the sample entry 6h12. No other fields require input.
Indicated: 12h32
